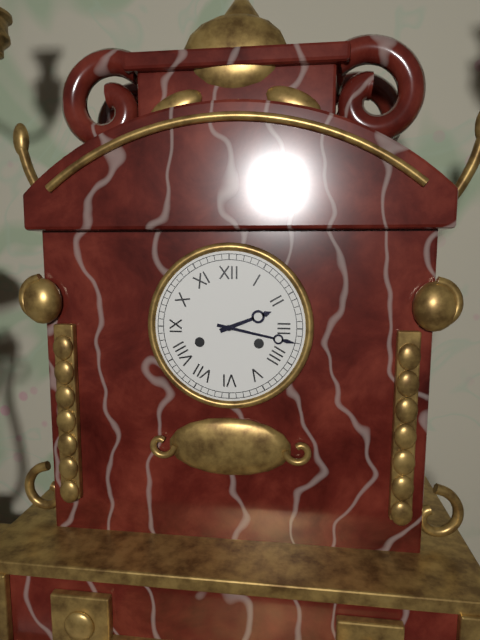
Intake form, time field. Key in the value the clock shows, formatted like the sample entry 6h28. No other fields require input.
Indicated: 2h17
